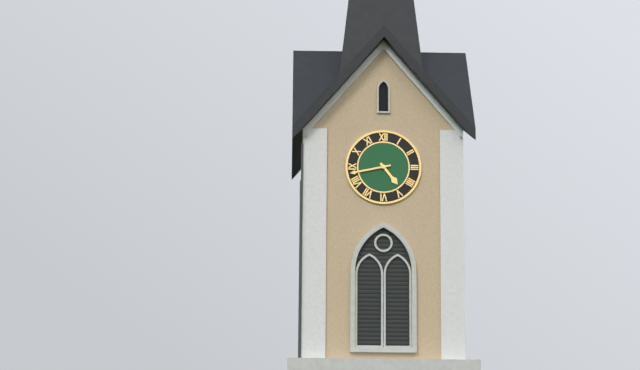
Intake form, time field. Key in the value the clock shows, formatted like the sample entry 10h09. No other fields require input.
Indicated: 4h43
